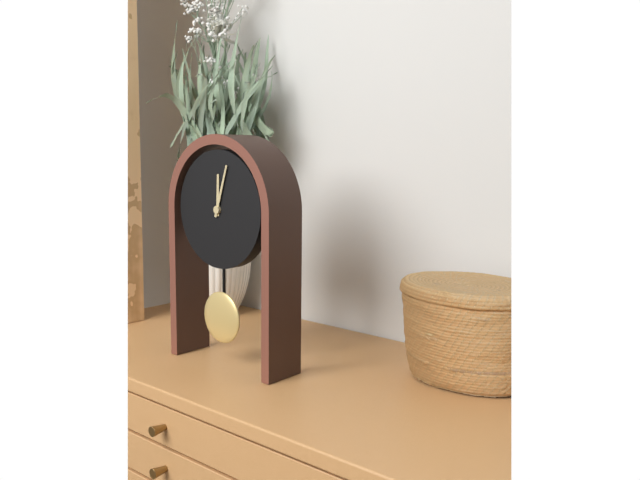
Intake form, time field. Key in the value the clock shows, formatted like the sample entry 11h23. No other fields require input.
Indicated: 12h03
